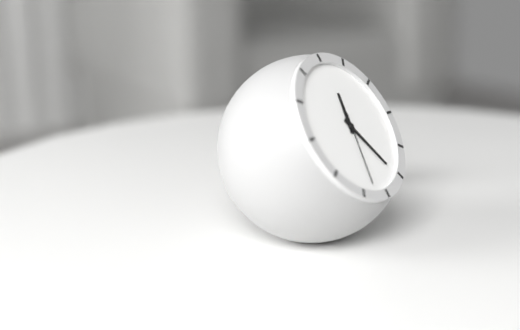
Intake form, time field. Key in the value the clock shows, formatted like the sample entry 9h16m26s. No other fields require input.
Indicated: 12h25m32s
